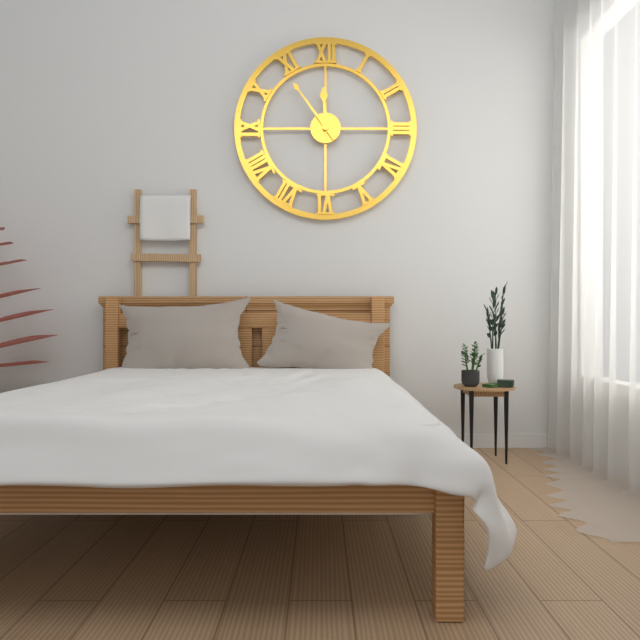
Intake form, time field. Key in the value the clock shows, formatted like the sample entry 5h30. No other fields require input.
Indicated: 11h54
